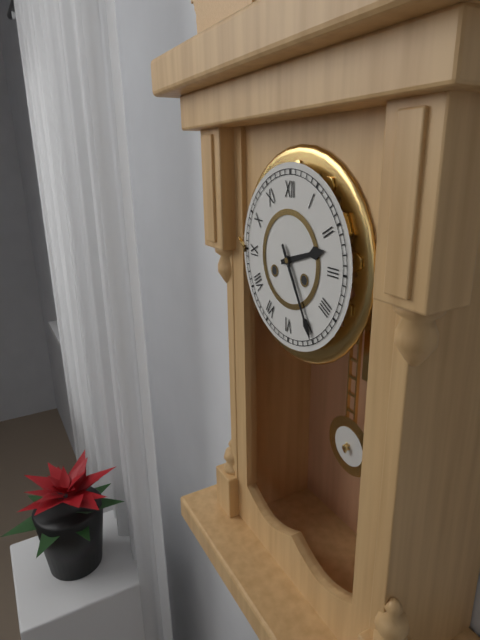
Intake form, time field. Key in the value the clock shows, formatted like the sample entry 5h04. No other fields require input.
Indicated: 2h25
